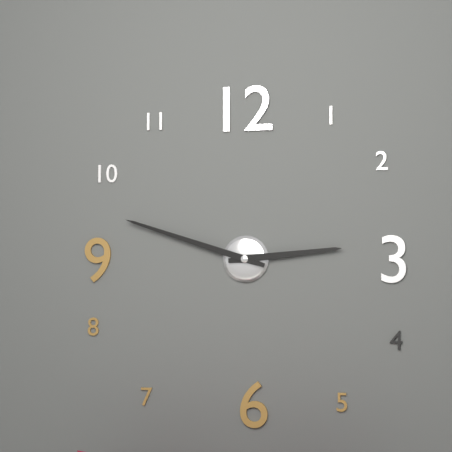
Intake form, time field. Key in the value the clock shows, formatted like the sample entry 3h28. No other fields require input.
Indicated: 2h48
